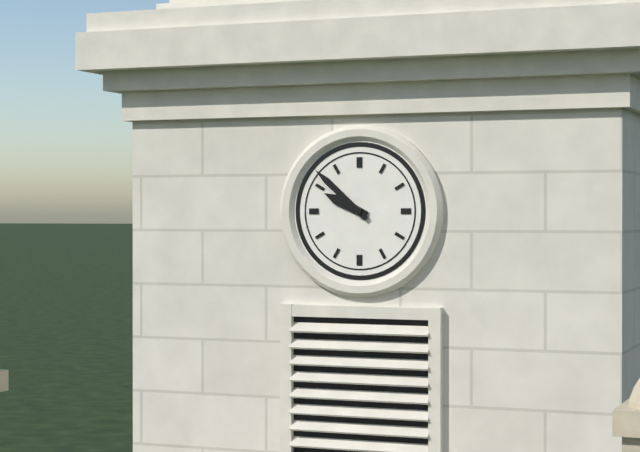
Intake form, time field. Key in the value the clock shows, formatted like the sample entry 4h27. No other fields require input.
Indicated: 9h52
